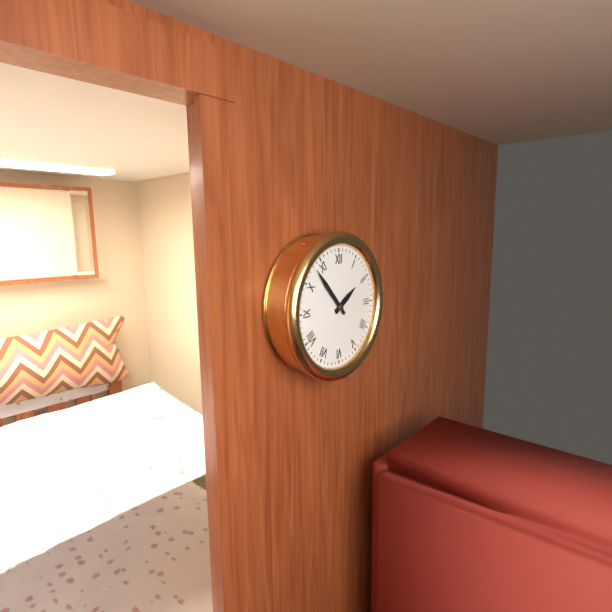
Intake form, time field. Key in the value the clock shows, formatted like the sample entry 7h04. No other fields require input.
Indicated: 1h53
